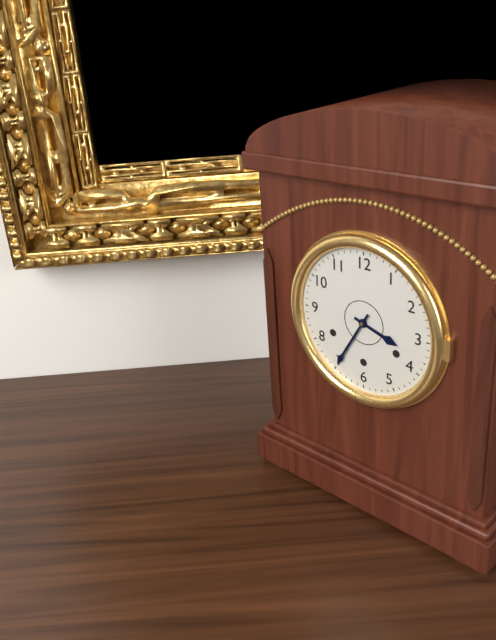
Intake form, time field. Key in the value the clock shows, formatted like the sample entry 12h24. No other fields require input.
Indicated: 3h35
